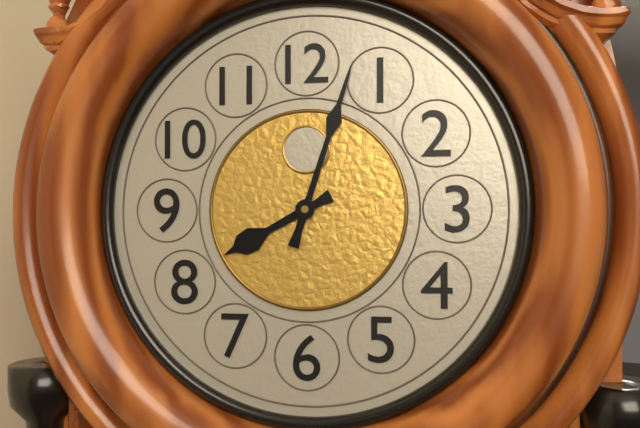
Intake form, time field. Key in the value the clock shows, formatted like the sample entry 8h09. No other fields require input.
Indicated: 8h03
